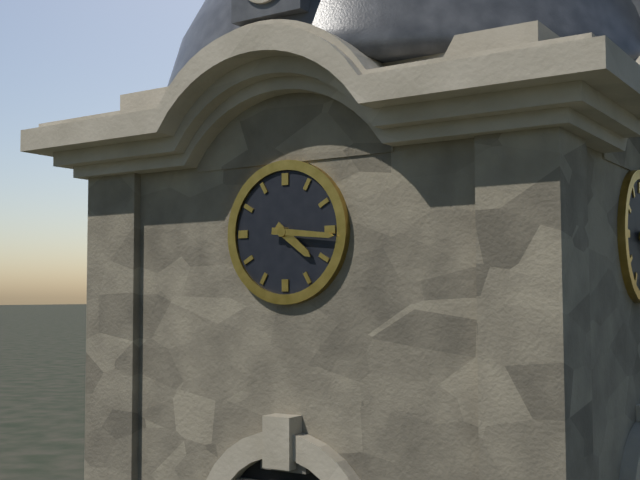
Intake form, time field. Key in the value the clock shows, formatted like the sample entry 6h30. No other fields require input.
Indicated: 4h16
